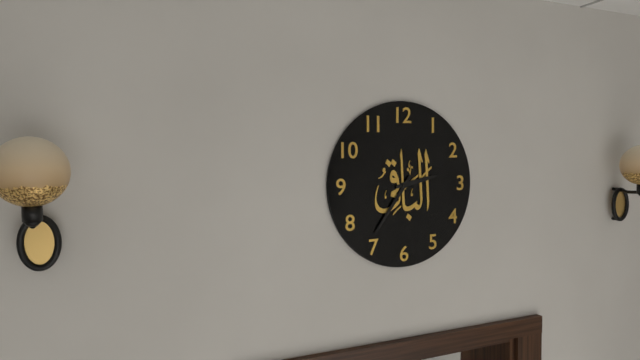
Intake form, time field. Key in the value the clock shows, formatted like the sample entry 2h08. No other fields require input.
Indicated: 2h36
